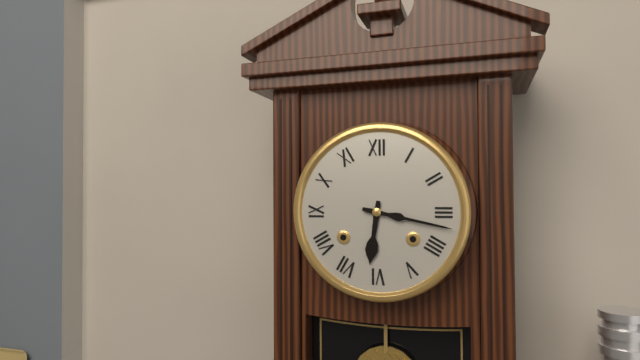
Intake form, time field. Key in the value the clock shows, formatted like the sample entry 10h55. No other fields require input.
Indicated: 6h17
